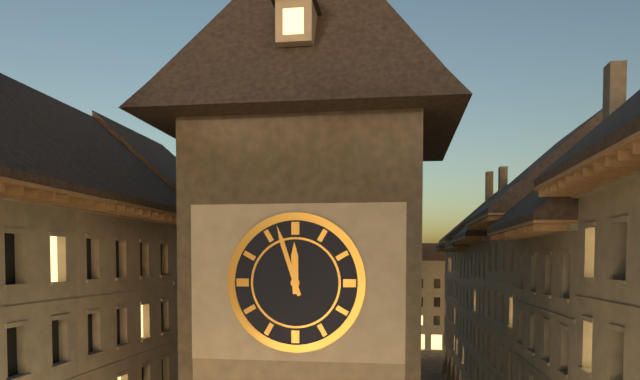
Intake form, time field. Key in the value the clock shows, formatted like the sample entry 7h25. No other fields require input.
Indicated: 11h57
